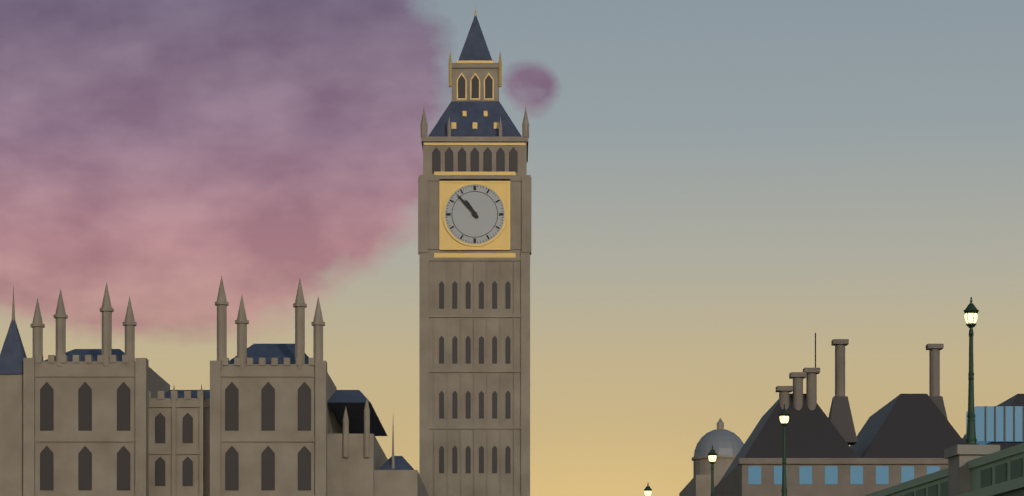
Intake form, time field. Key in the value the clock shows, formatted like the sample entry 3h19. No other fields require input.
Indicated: 10h53
